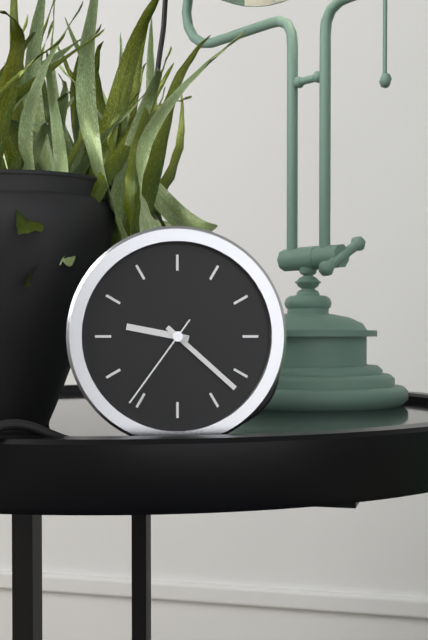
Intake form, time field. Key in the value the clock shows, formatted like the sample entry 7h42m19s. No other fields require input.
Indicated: 9h22m36s
